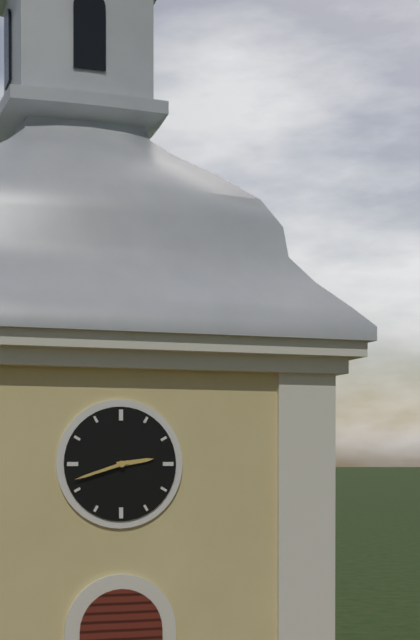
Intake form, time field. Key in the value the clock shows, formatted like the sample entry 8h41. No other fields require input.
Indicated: 2h42
